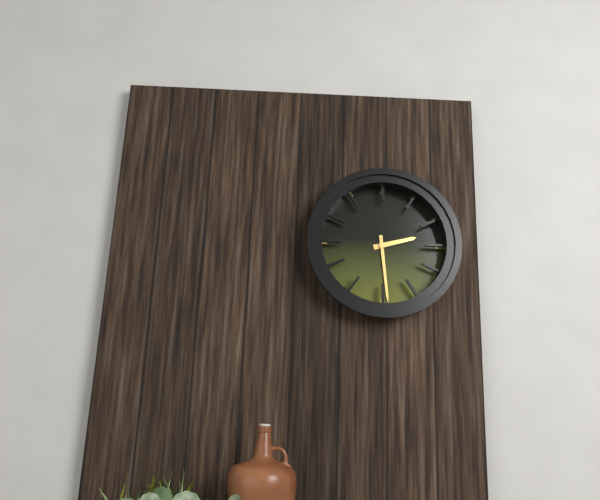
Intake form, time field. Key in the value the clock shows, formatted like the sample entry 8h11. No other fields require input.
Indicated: 2h29
